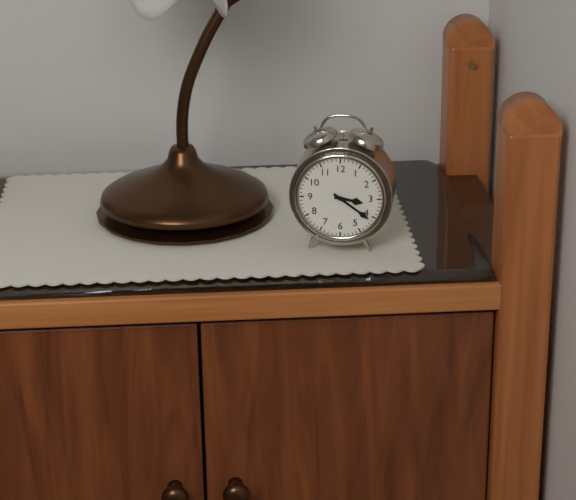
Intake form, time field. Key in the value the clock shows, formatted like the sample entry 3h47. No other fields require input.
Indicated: 3h21
